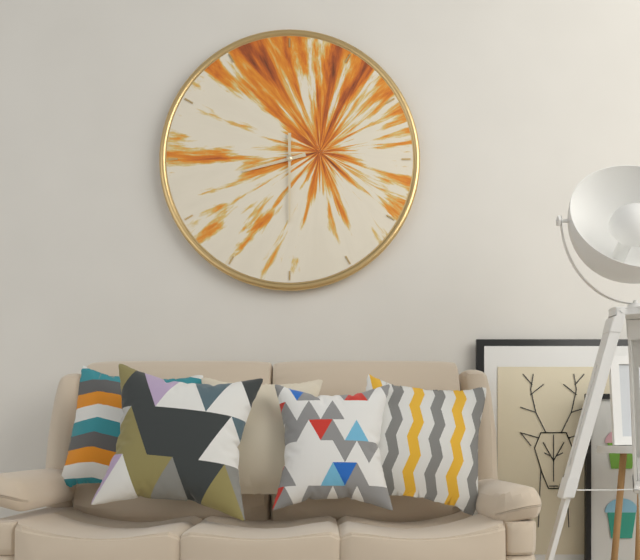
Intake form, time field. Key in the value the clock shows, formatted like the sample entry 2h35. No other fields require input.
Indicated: 8h30
